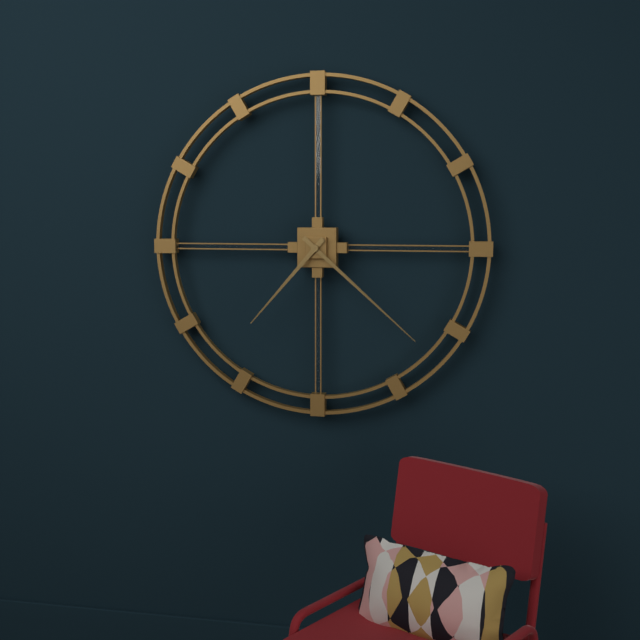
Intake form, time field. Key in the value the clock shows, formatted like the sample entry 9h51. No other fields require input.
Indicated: 7h22
